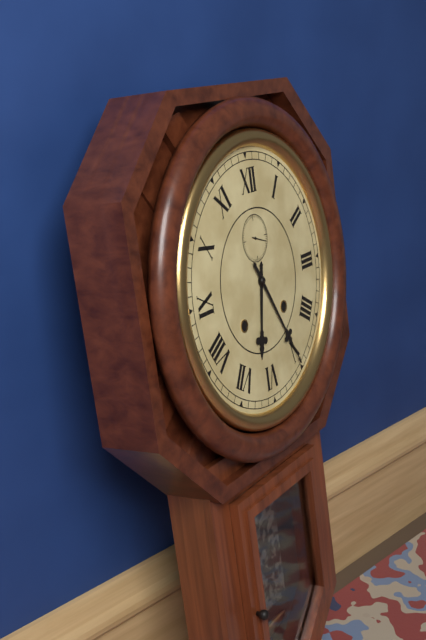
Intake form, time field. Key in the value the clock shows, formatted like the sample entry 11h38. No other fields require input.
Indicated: 6h25
